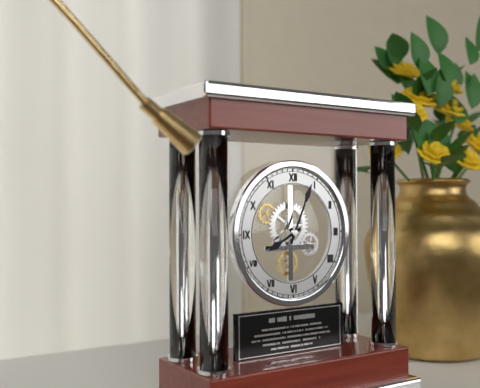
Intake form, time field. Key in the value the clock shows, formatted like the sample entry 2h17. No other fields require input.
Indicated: 8h04
